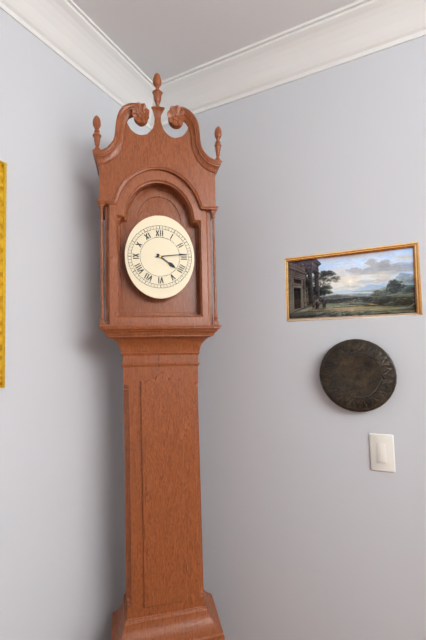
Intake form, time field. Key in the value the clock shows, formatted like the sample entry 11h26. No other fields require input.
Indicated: 4h14
